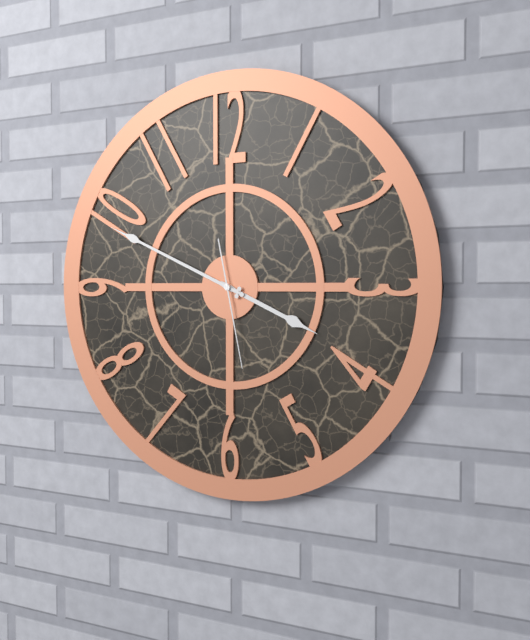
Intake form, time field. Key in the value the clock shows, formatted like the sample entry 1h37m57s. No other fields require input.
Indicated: 3h49m28s
